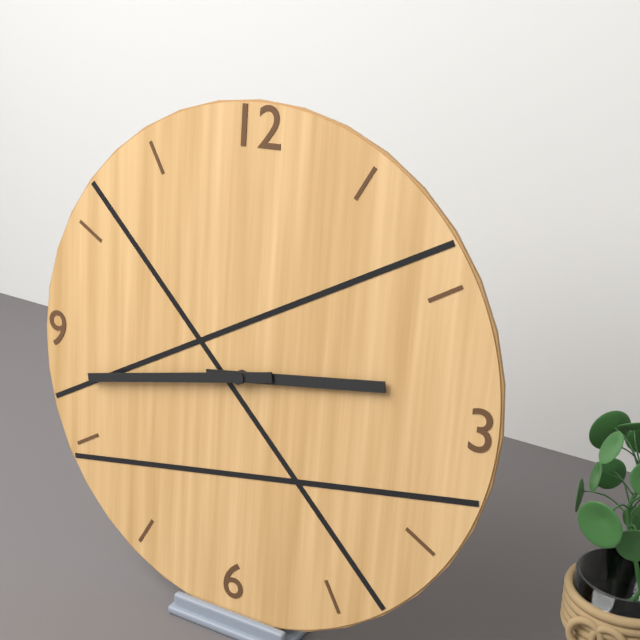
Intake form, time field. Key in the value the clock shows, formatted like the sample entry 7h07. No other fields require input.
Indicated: 2h43
